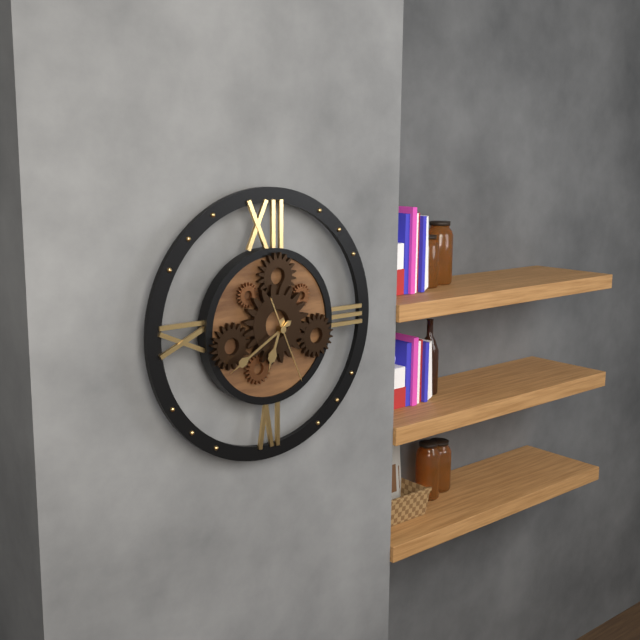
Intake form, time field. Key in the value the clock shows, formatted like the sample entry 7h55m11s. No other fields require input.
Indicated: 6h40m26s
